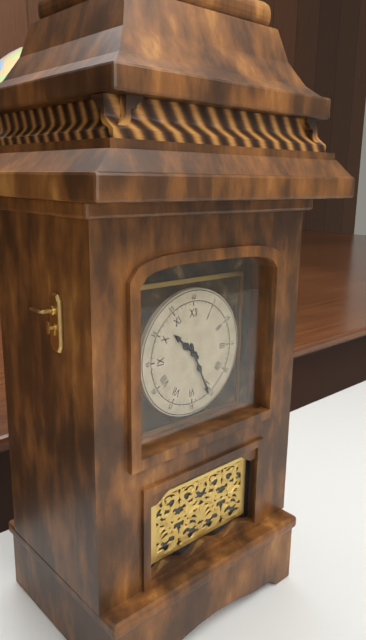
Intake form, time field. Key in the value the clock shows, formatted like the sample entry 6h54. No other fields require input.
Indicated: 10h26
